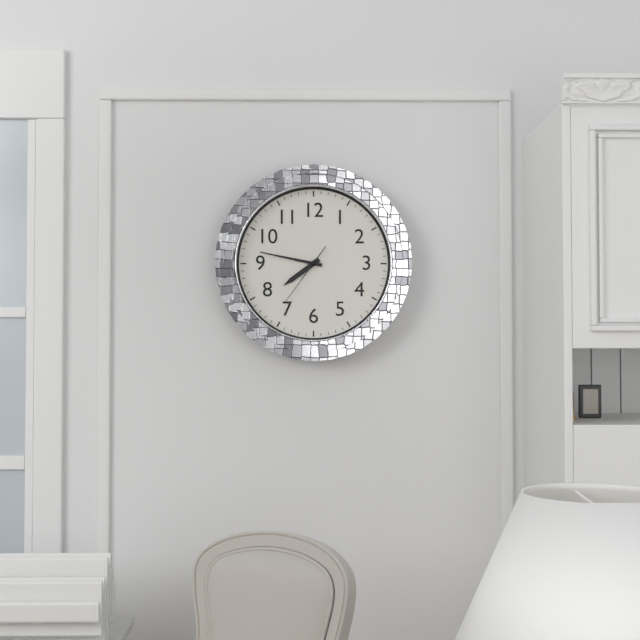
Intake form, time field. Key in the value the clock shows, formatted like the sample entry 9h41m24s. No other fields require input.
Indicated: 7h47m36s
